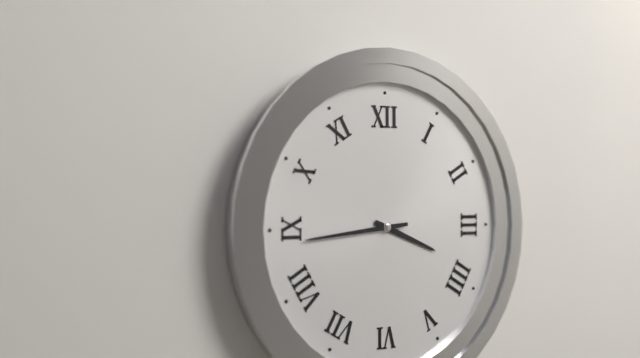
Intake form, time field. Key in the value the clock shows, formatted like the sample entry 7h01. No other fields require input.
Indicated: 3h44
